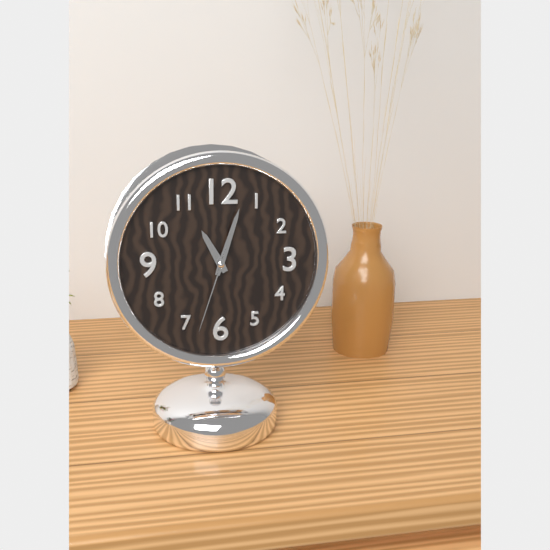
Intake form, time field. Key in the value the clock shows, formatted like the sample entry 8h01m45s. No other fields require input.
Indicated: 11h03m33s
